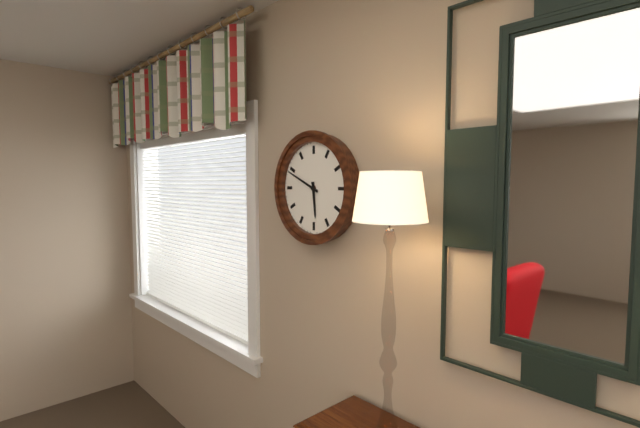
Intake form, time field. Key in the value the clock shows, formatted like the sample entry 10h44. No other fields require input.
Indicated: 5h49
